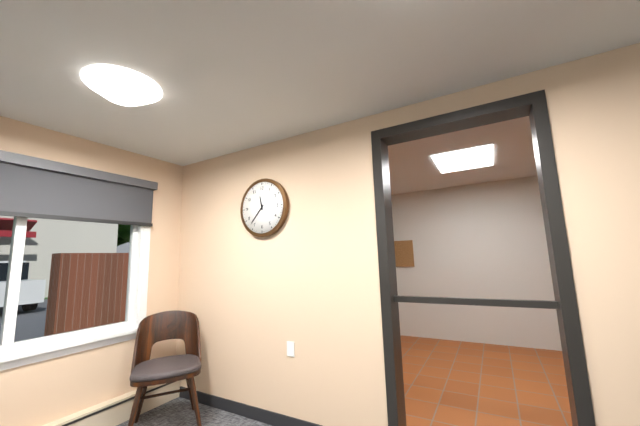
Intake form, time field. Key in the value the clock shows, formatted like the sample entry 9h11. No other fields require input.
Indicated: 11h37
